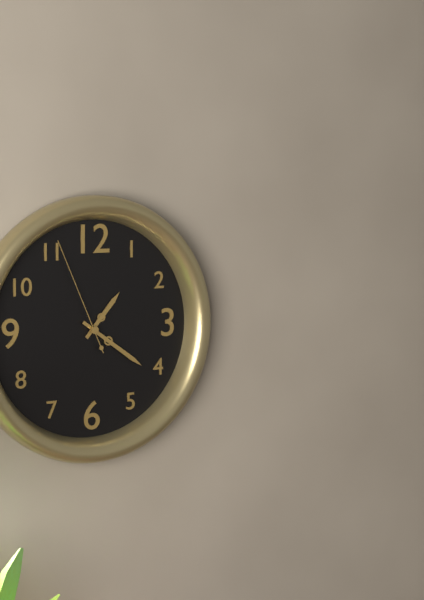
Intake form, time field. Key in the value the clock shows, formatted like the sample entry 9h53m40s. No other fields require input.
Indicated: 1h21m56s
